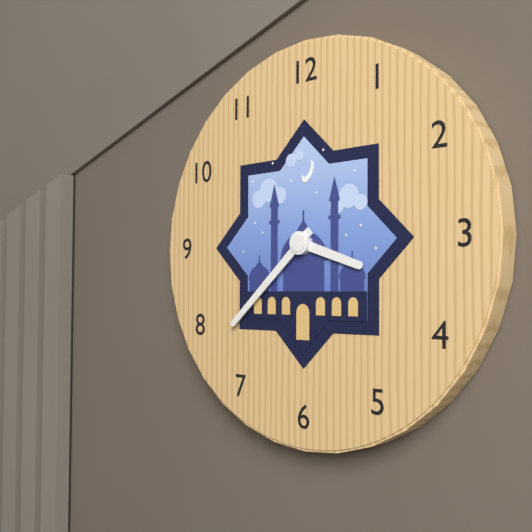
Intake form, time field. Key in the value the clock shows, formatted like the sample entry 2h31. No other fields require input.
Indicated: 3h38
